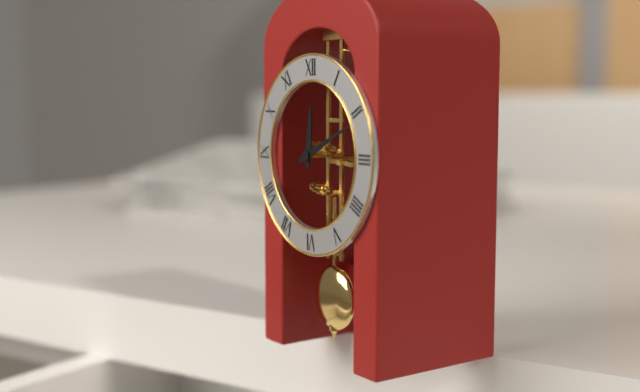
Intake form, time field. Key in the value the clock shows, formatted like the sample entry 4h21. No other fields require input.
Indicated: 12h11
